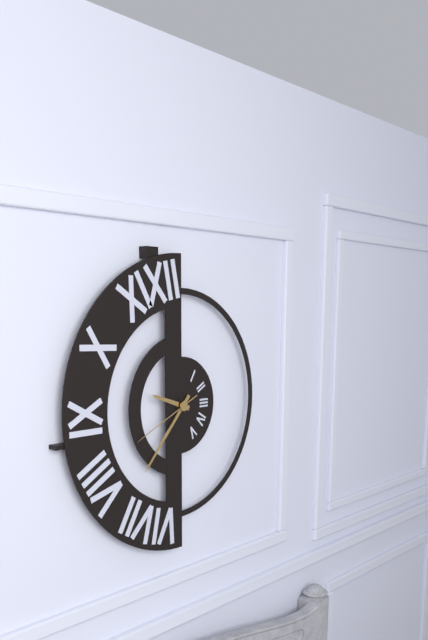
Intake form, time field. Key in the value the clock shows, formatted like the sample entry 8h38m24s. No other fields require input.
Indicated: 9h37m41s
